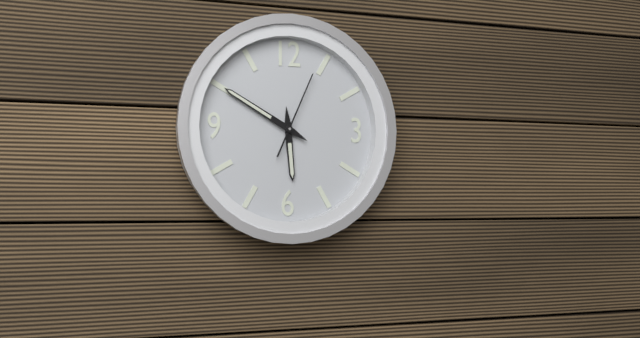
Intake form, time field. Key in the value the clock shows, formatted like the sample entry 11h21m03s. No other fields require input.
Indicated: 5h50m04s
